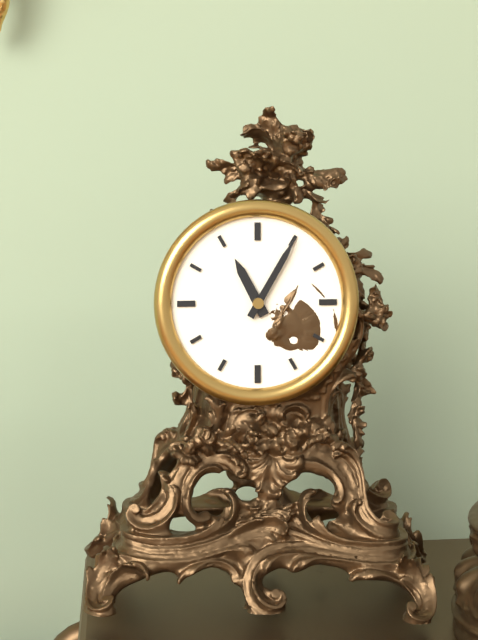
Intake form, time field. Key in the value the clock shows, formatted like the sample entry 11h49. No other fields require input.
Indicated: 11h05
